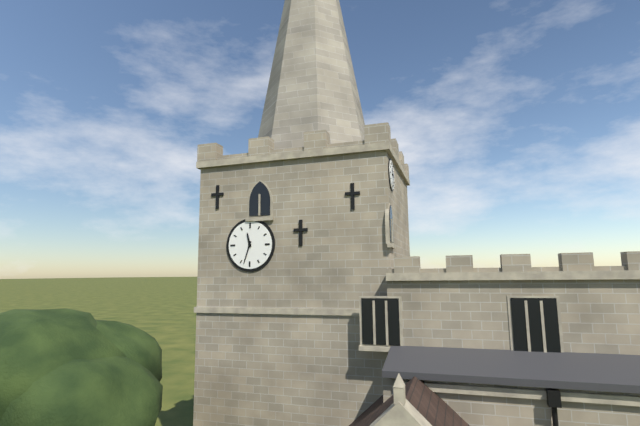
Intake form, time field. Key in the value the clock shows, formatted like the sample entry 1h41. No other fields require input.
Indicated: 11h33
